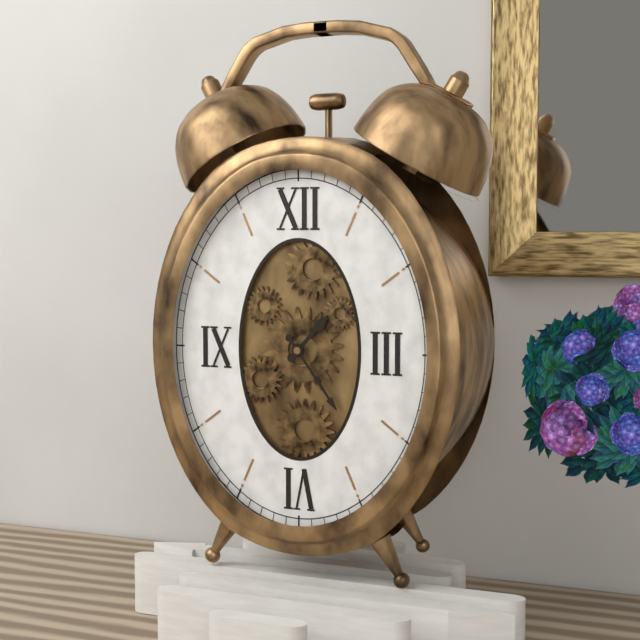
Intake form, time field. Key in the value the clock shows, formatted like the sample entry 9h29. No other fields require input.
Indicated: 1h24
